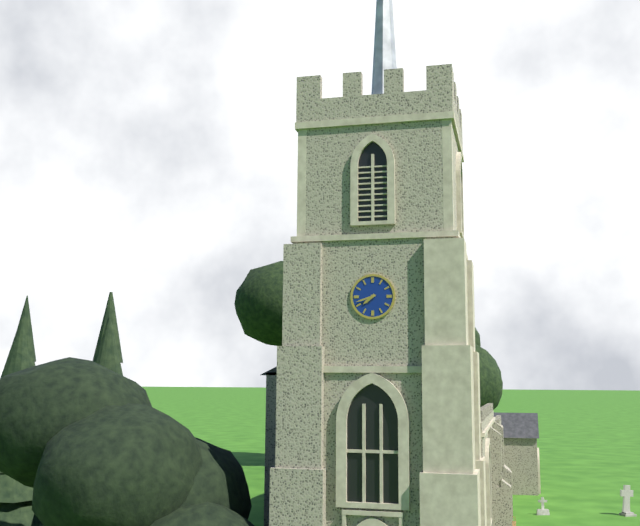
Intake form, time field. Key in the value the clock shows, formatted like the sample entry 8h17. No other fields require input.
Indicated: 7h42
